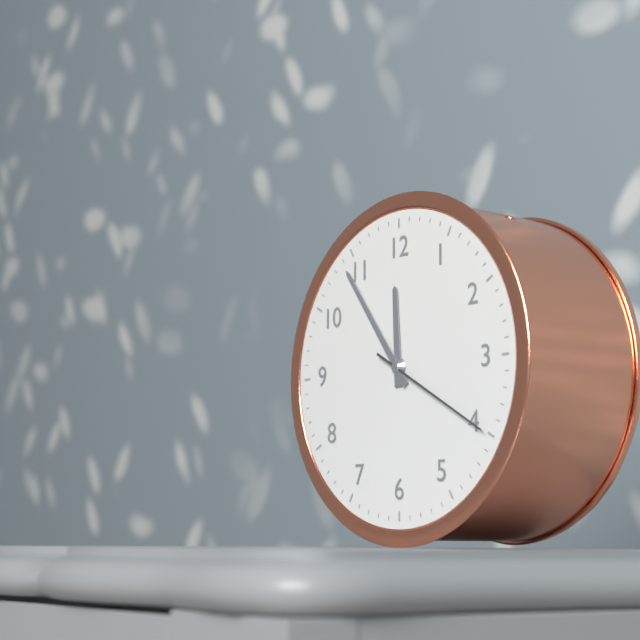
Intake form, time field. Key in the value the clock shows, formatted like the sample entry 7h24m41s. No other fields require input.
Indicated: 11h54m20s
